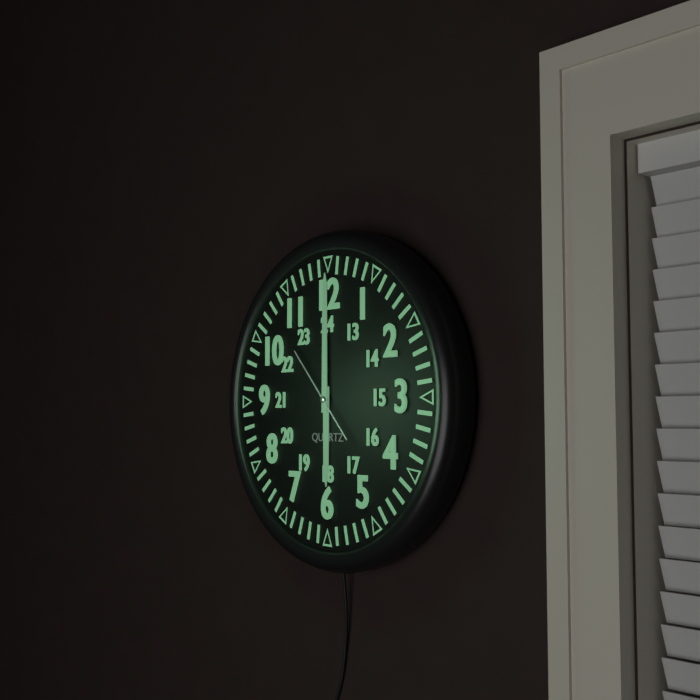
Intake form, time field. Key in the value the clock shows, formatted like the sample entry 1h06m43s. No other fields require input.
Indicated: 6h00m53s
